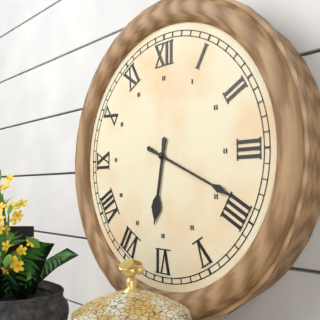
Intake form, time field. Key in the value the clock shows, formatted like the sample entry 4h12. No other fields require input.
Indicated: 6h19
